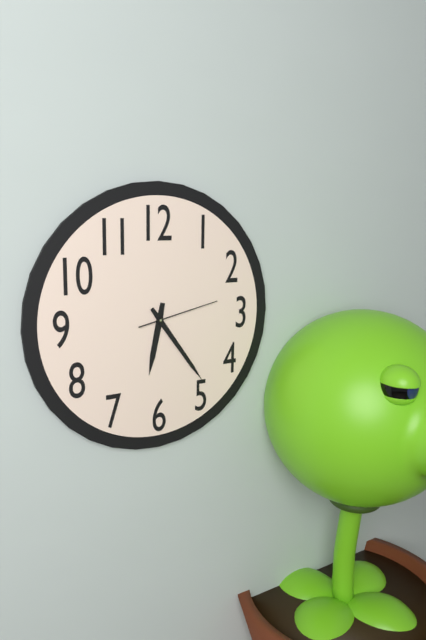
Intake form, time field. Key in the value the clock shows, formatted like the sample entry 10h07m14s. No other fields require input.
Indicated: 6h24m13s
